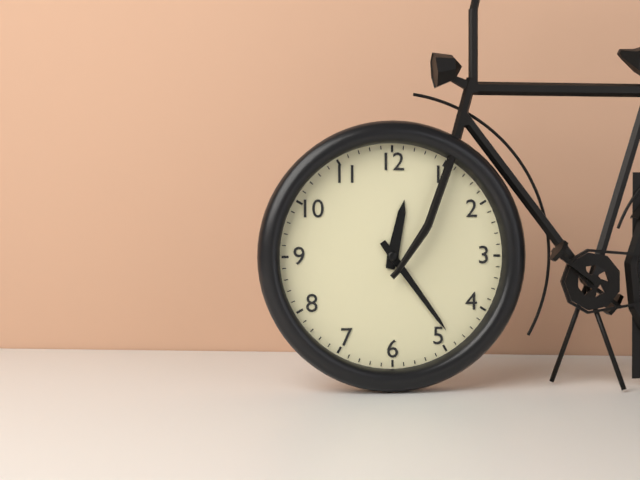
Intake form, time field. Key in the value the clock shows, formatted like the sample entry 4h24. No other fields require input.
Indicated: 12h24
